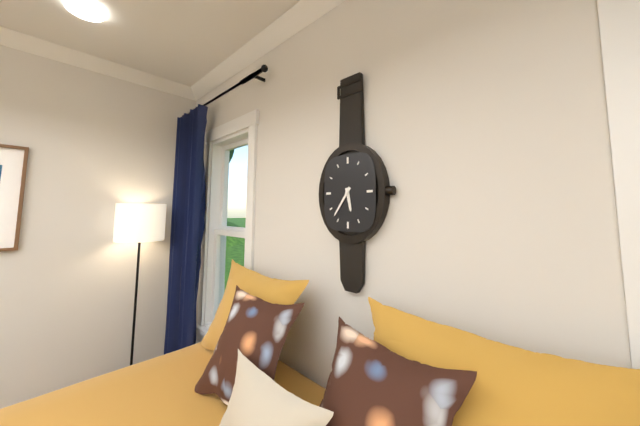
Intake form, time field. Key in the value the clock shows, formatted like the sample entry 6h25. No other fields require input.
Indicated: 5h36
